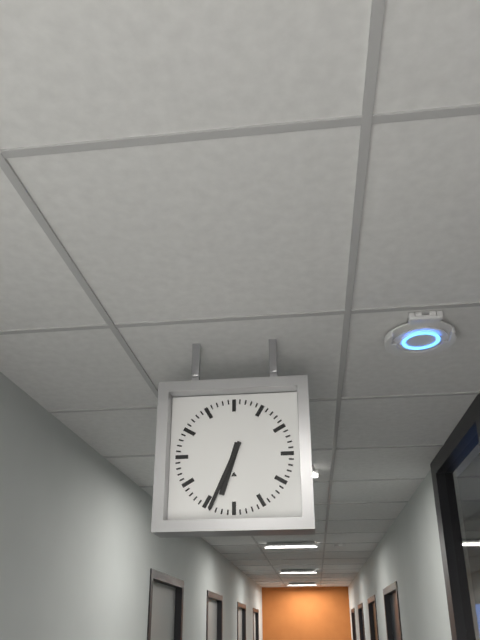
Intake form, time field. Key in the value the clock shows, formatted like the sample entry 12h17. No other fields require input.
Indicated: 6h34
